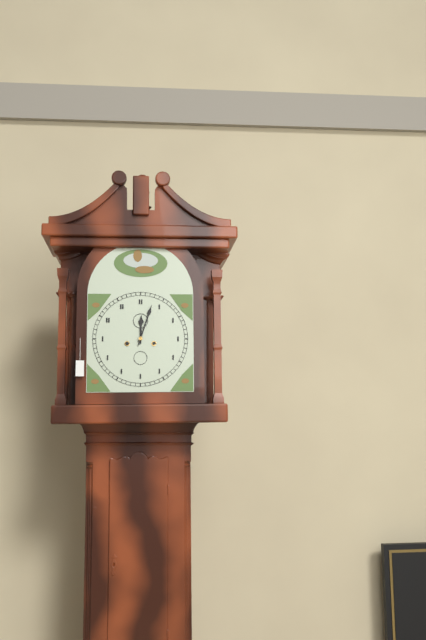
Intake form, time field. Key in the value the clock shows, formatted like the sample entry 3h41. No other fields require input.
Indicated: 12h03
